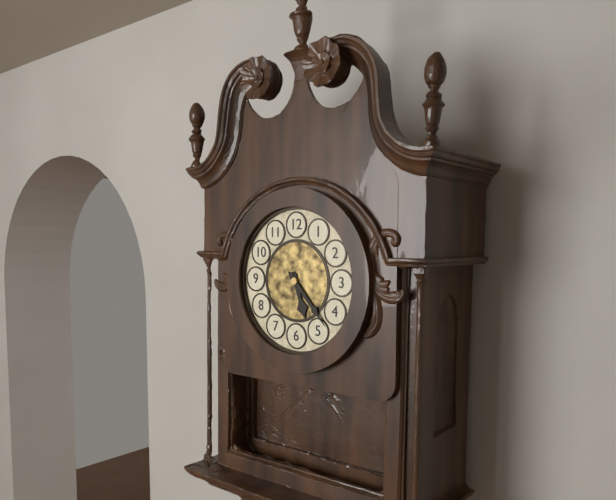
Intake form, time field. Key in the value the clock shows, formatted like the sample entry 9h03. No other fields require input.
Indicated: 5h23
